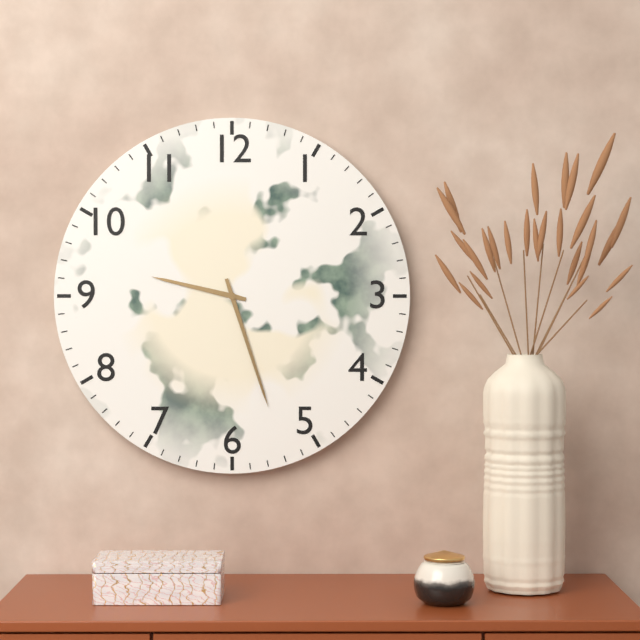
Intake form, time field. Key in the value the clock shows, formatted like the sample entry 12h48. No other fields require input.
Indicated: 9h27
